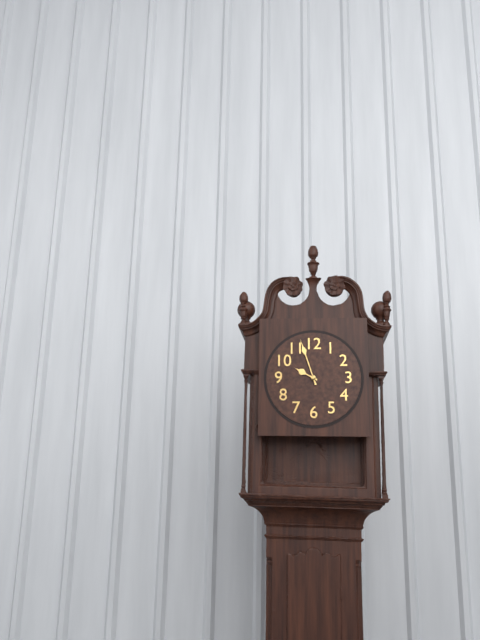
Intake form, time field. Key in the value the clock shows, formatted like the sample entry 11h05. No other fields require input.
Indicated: 9h57
